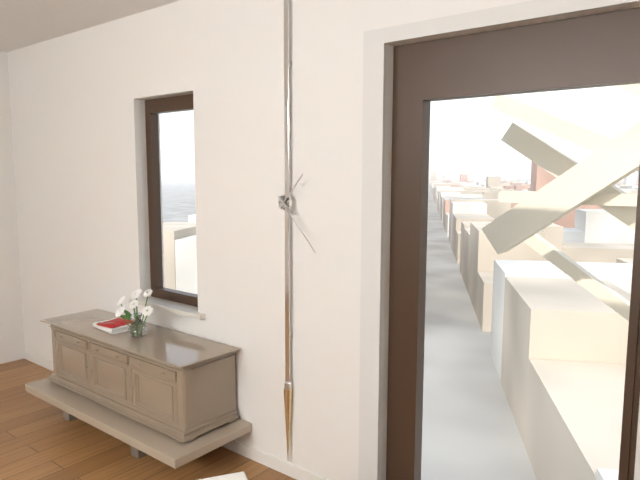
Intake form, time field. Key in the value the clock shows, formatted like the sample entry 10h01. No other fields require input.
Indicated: 1h23
